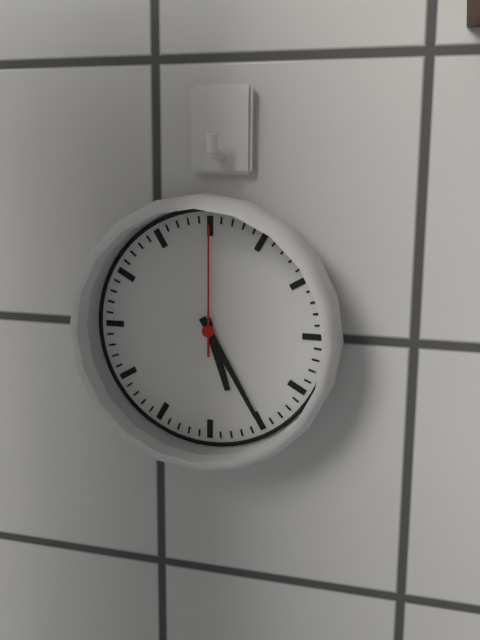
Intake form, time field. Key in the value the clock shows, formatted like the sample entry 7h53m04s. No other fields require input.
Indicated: 5h25m00s
